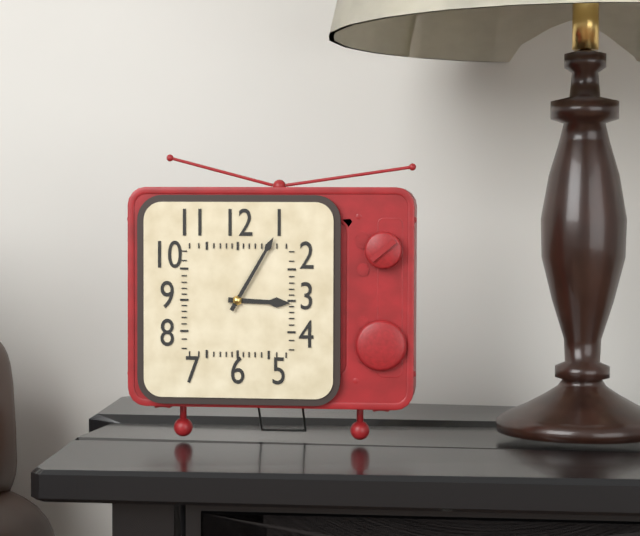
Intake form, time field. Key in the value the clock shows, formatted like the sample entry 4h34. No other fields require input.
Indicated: 3h05
